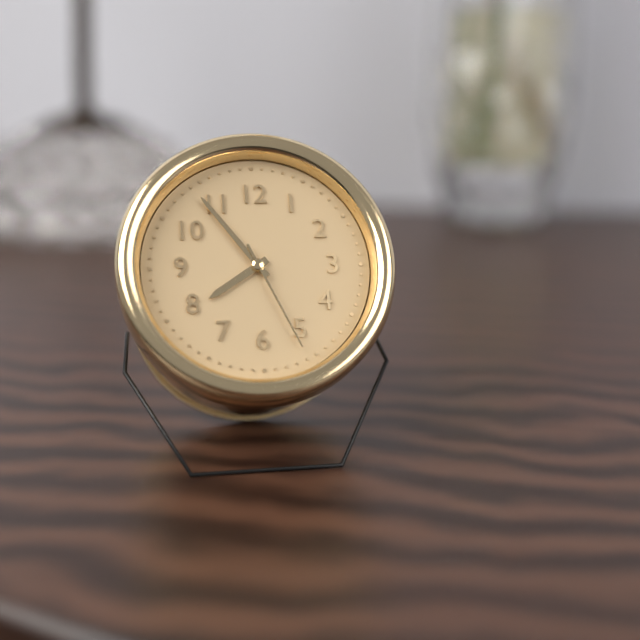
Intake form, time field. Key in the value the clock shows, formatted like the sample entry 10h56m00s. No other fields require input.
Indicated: 7h54m26s
